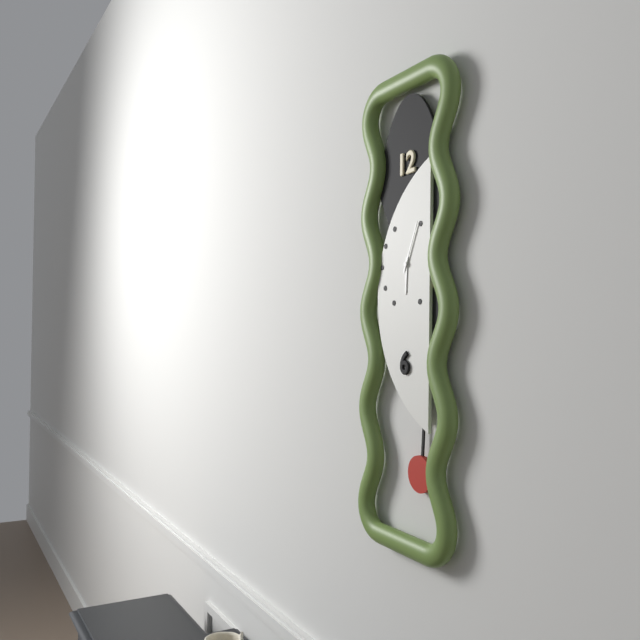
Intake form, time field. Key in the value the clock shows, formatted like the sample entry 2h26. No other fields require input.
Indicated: 6h04
